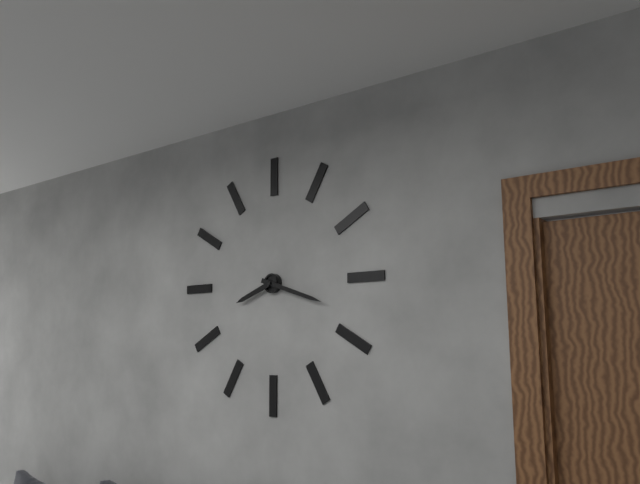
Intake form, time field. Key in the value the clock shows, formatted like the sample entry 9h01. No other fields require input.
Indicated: 8h18
